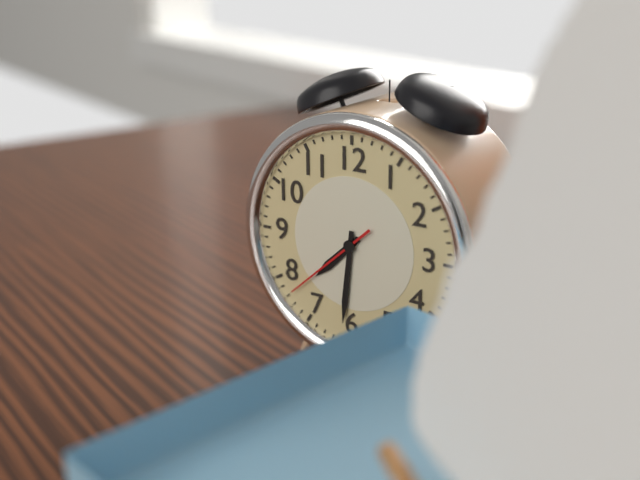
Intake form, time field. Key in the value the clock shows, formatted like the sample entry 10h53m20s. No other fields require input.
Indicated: 7h31m38s
